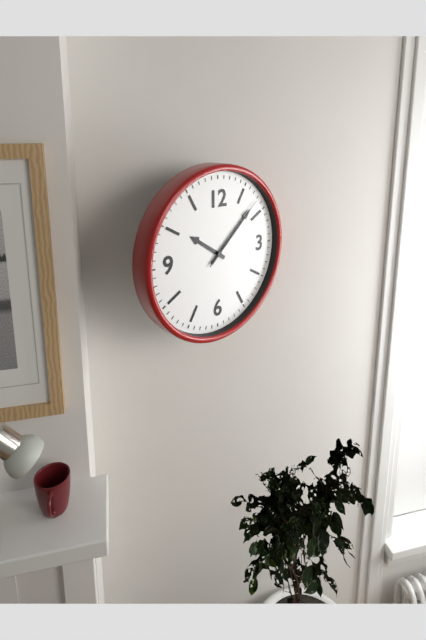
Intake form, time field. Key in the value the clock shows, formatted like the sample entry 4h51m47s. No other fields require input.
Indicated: 10h08m08s
